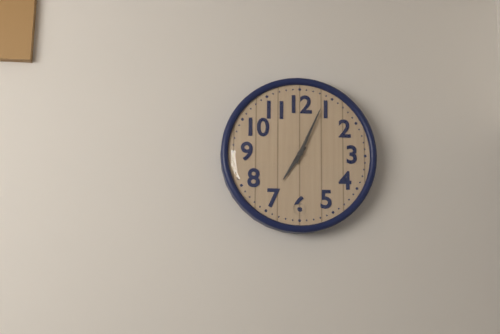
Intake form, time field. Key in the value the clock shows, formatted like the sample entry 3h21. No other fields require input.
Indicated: 7h04
